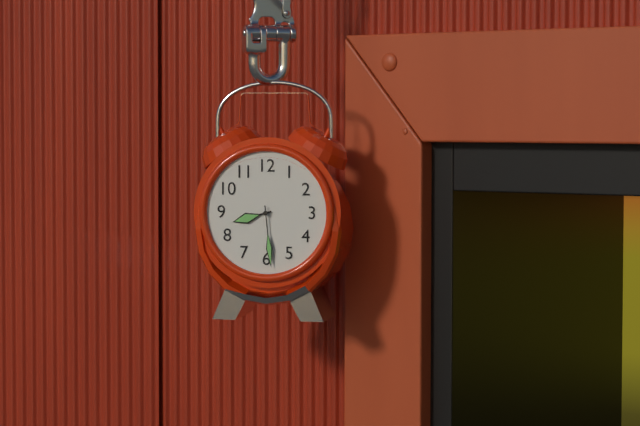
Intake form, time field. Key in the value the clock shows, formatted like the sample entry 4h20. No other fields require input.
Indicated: 8h29
